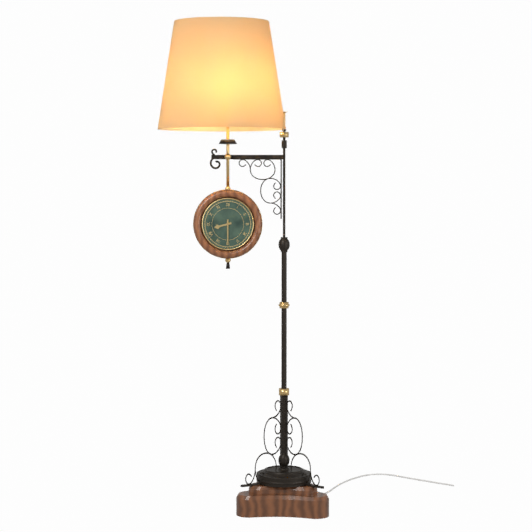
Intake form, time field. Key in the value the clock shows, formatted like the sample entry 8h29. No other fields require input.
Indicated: 8h30
